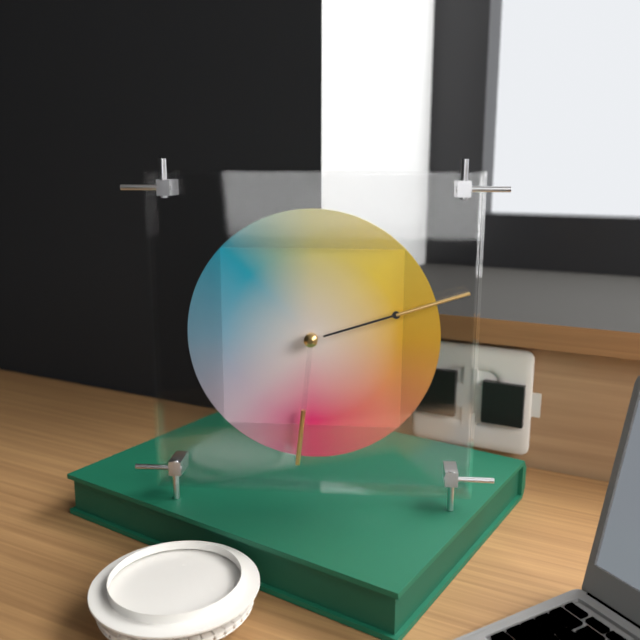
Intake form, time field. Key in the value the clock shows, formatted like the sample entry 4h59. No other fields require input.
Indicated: 6h12
